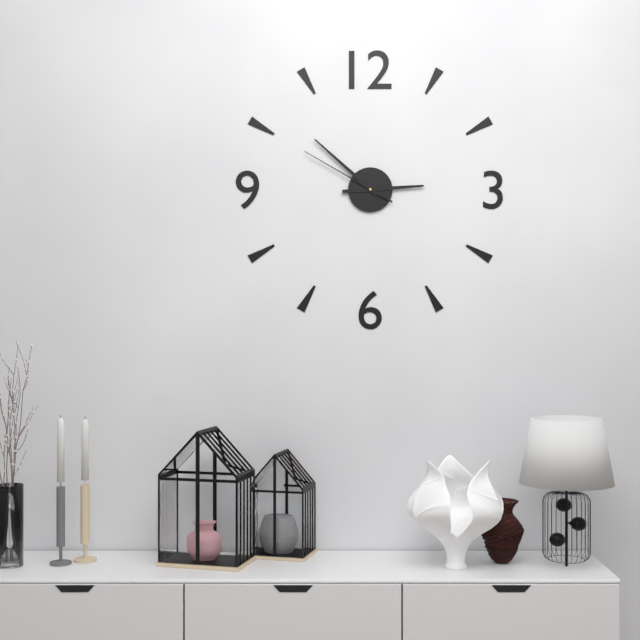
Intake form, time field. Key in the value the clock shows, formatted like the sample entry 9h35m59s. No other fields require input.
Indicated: 2h52m50s
